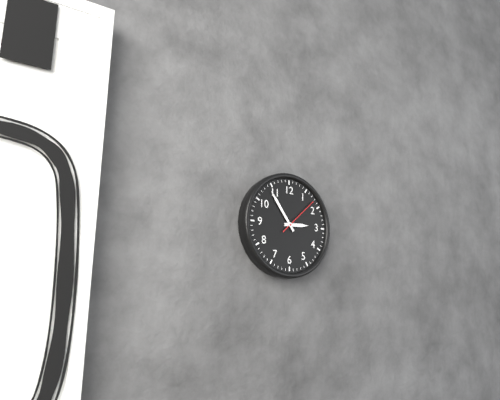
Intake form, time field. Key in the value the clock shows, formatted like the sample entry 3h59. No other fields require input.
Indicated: 2h54
